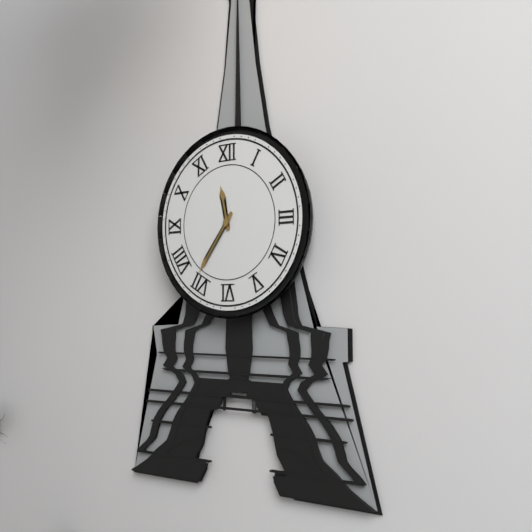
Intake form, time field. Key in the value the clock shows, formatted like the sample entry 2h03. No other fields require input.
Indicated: 11h36
